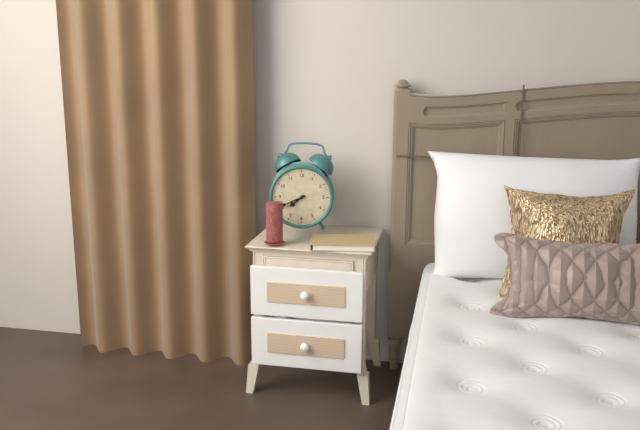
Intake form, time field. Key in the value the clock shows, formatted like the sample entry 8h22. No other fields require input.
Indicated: 7h41
